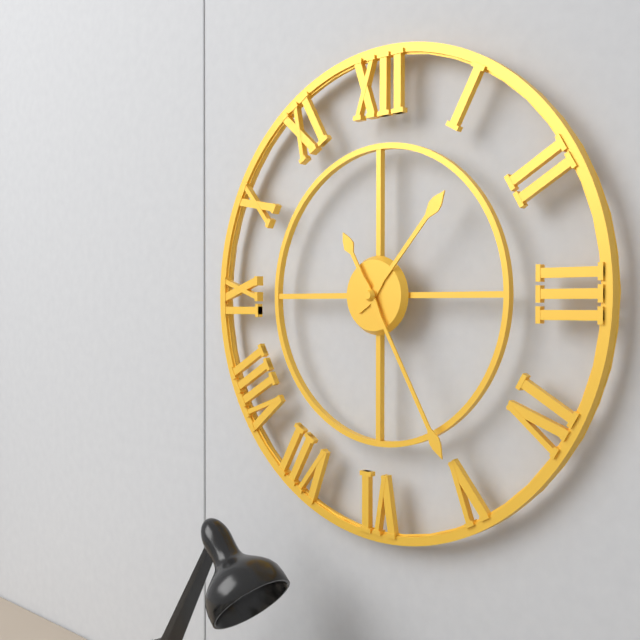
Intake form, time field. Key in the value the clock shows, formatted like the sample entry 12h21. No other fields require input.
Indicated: 1h25
